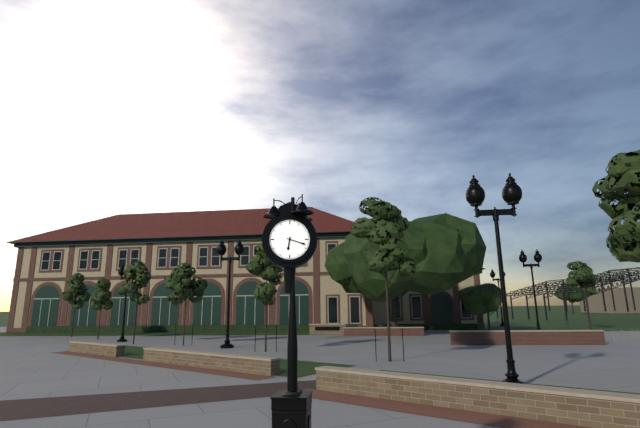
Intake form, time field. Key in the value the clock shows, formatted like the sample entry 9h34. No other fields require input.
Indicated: 6h18
